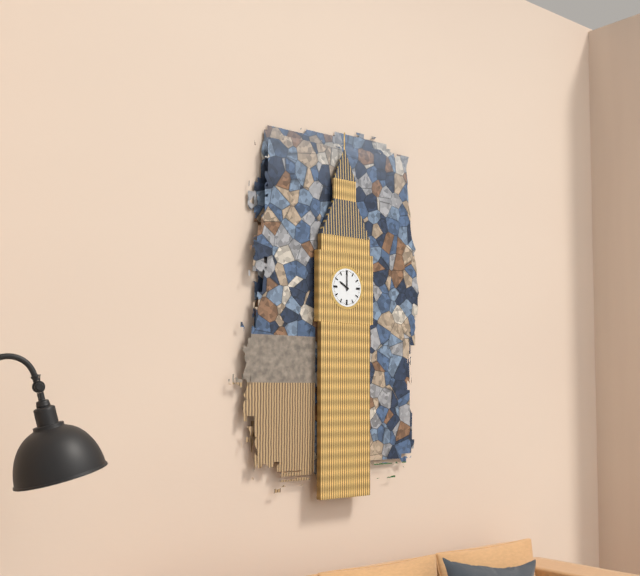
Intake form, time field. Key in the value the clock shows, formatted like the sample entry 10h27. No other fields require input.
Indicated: 10h00
